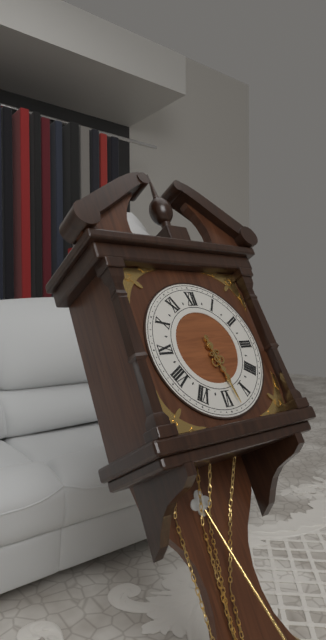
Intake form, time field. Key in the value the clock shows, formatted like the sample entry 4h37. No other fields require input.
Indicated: 5h28
